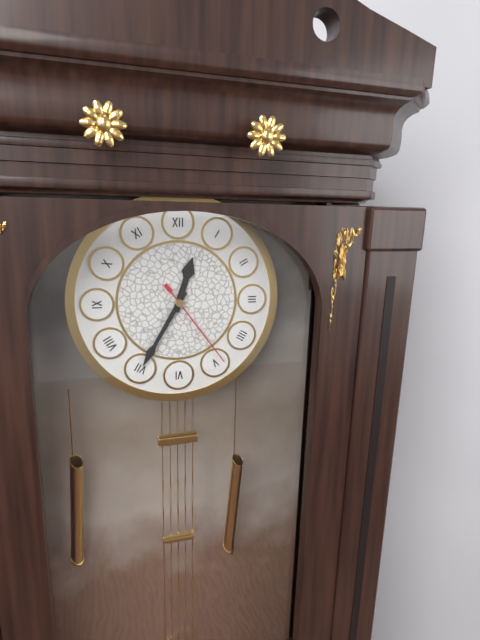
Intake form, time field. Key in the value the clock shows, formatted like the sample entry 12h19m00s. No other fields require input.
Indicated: 12h35m24s
